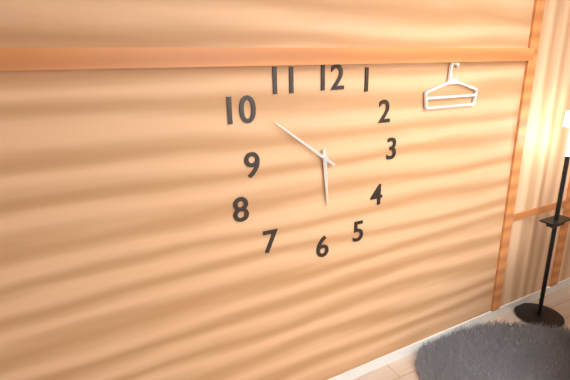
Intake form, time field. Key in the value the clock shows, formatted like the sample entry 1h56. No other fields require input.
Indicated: 5h51
